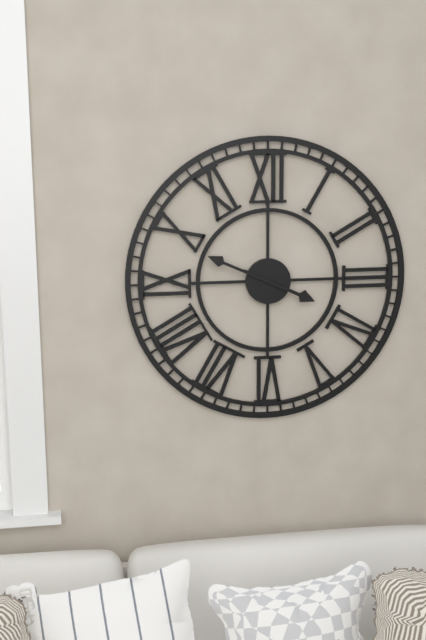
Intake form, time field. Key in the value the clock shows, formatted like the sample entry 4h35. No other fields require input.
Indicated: 3h49
